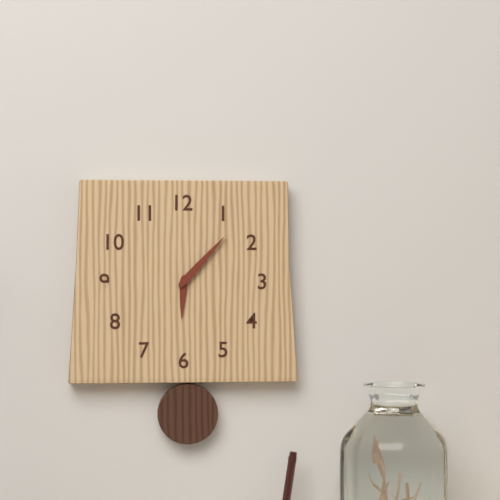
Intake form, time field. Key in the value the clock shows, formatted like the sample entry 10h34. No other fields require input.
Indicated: 6h07
